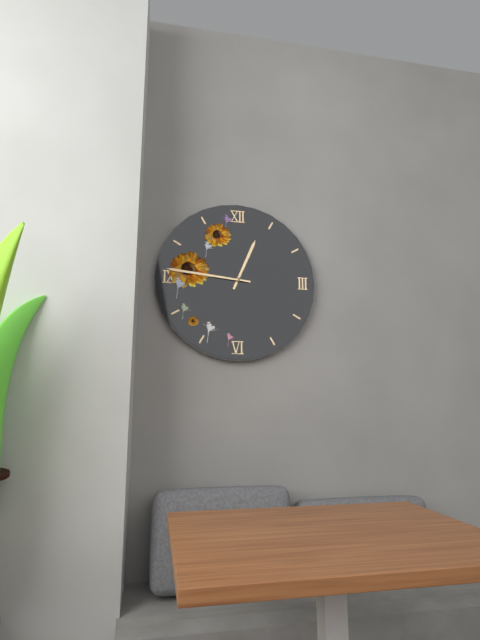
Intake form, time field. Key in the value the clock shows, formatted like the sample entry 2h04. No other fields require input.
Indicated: 12h46
